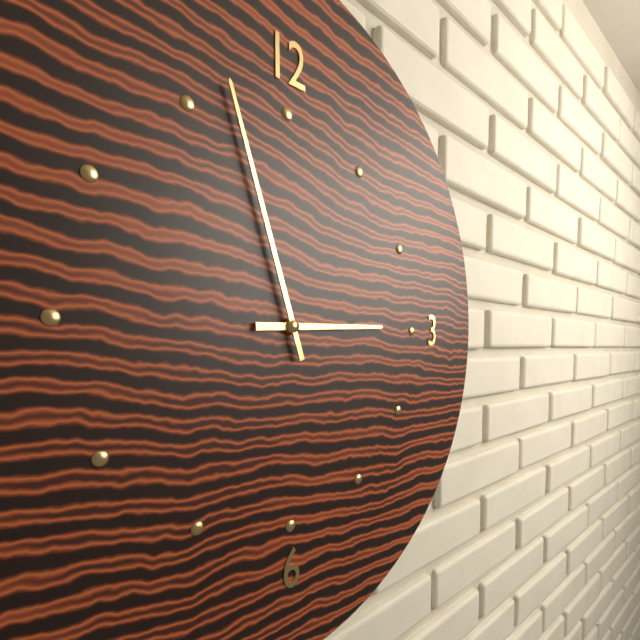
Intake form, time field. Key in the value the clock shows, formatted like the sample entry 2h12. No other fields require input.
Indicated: 2h57
